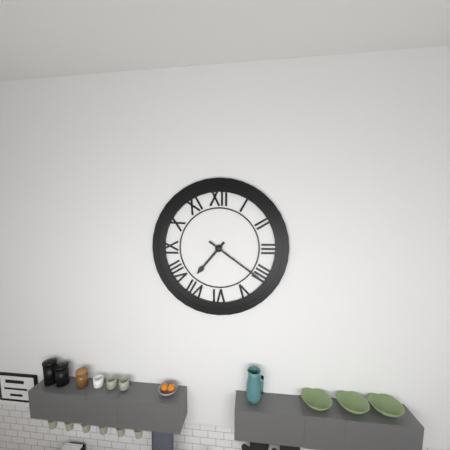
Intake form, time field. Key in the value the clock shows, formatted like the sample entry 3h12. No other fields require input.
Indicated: 7h21
